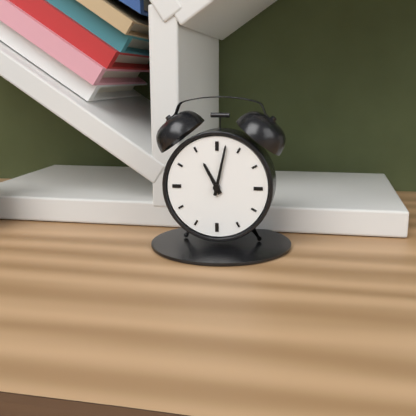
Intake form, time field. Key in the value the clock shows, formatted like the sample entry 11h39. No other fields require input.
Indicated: 11h02
